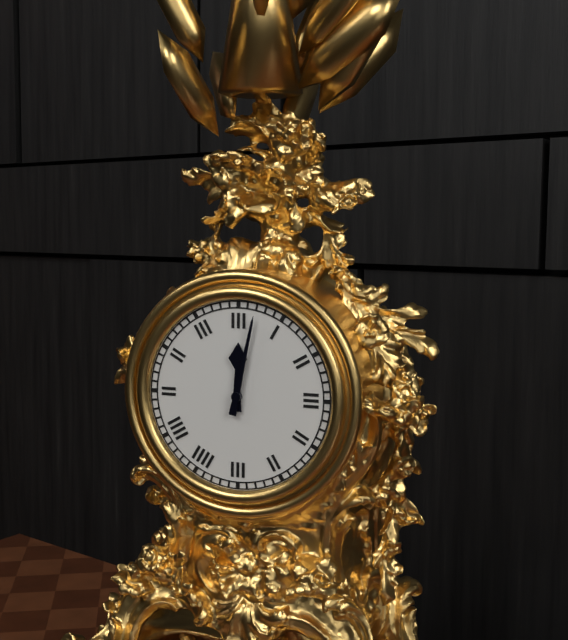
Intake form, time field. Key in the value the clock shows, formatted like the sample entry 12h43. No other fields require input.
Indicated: 12h02
